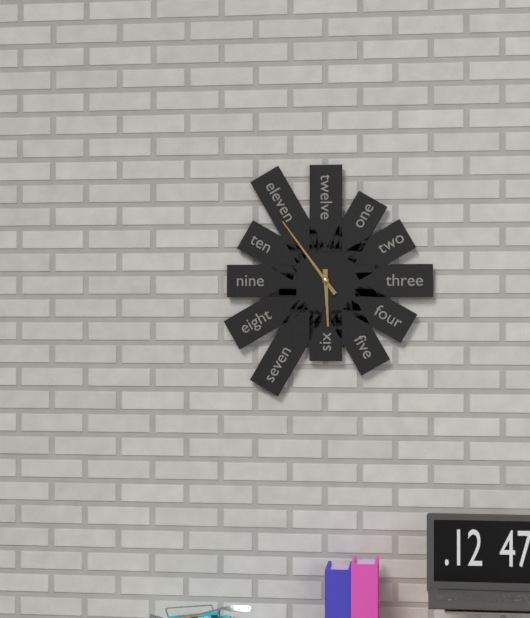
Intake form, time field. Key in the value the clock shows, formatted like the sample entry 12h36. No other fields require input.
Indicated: 5h54
